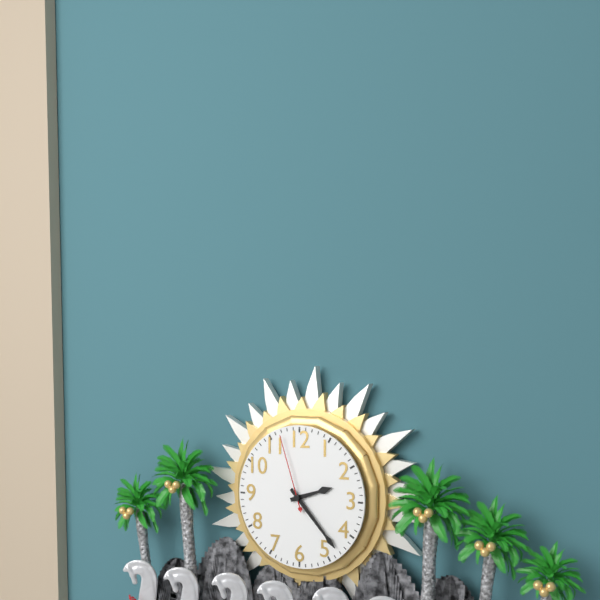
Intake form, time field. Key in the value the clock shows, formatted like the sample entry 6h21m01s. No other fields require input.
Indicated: 2h23m57s
